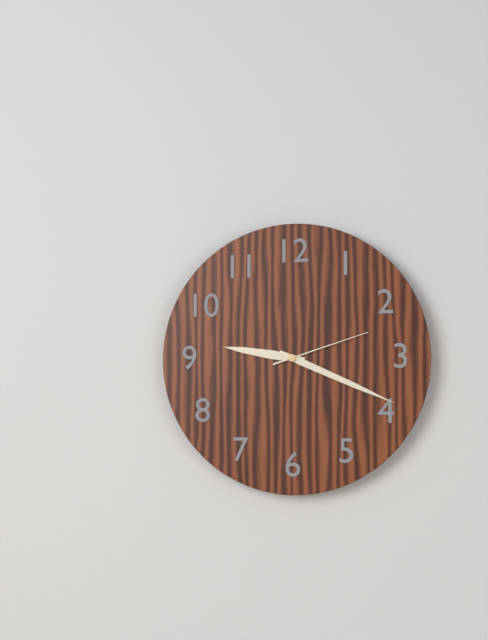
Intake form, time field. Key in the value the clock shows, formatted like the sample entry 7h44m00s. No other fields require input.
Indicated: 9h19m12s
